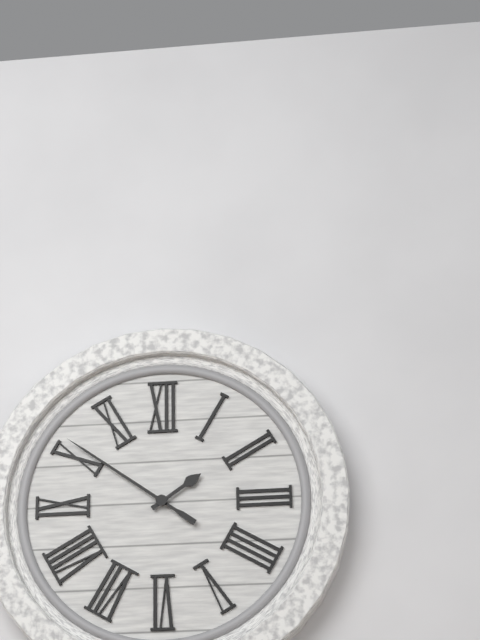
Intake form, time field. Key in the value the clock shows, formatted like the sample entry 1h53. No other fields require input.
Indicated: 1h51
